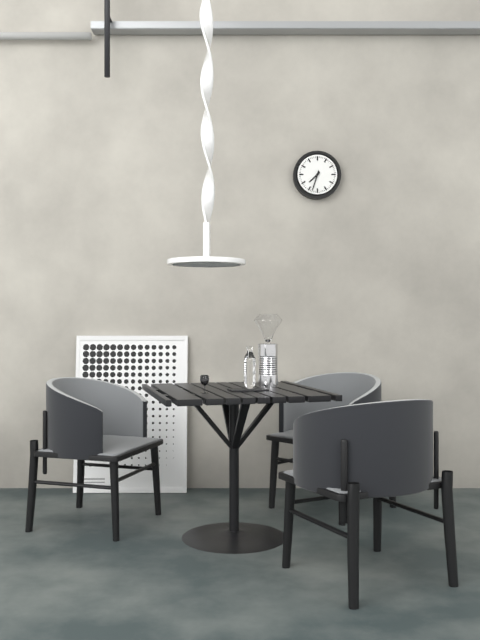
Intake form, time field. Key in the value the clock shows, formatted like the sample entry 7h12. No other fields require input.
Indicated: 7h33
